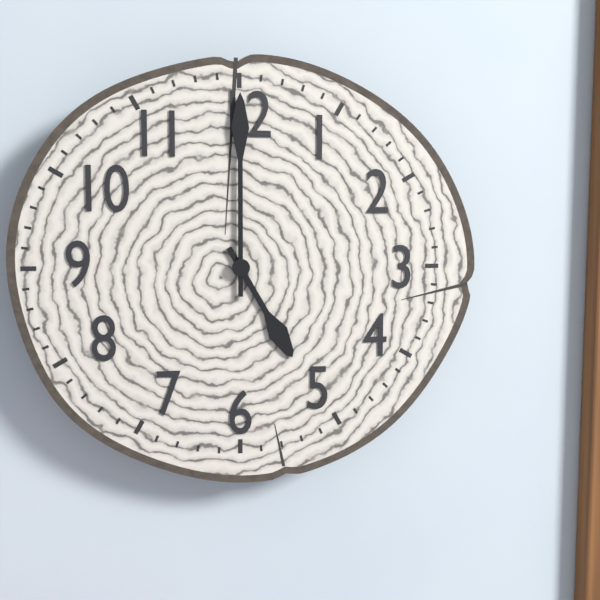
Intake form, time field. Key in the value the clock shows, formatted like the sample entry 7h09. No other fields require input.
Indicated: 5h00
